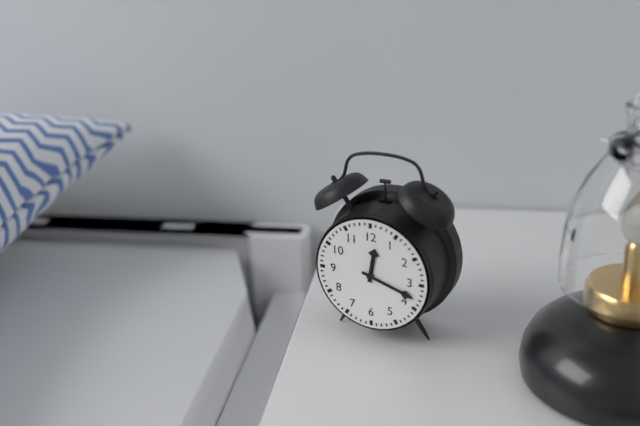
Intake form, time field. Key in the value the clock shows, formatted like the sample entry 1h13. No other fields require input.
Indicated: 12h18
